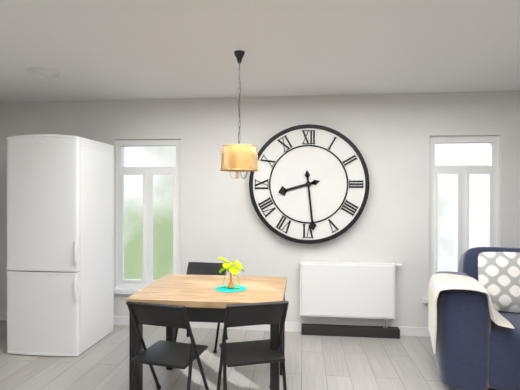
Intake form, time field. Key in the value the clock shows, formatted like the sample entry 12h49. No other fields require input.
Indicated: 8h29
